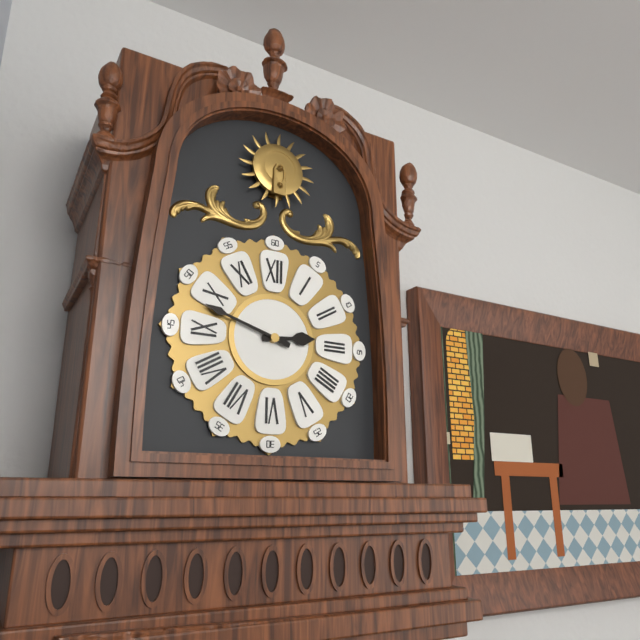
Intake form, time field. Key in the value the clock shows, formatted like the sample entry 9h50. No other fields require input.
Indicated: 2h48
